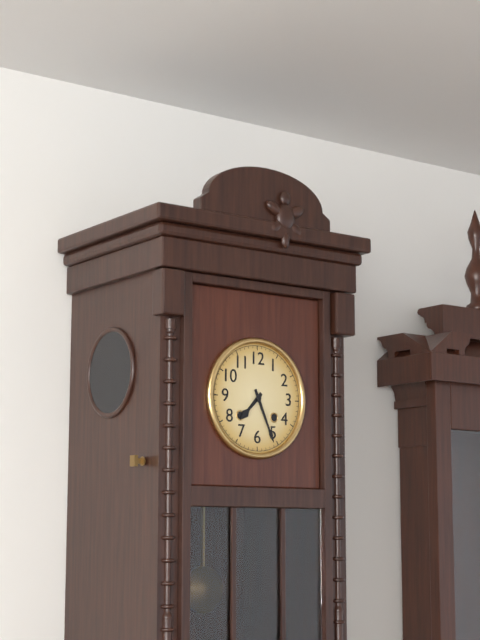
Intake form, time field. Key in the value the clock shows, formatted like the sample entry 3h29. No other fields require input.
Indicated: 7h26
